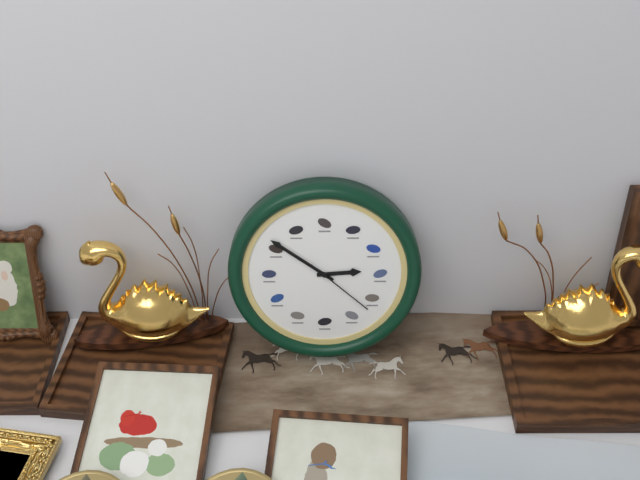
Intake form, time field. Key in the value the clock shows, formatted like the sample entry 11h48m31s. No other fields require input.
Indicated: 2h51m22s
